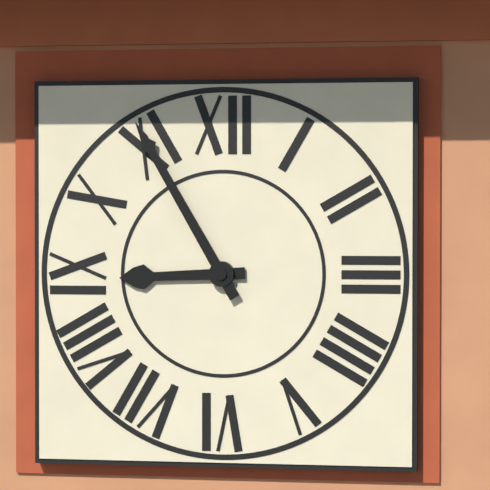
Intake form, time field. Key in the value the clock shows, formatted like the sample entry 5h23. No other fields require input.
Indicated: 8h55
